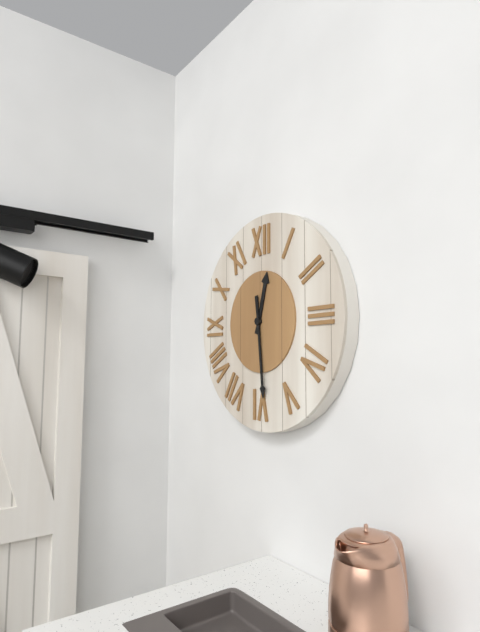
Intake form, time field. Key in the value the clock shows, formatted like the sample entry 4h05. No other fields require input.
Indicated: 12h29
